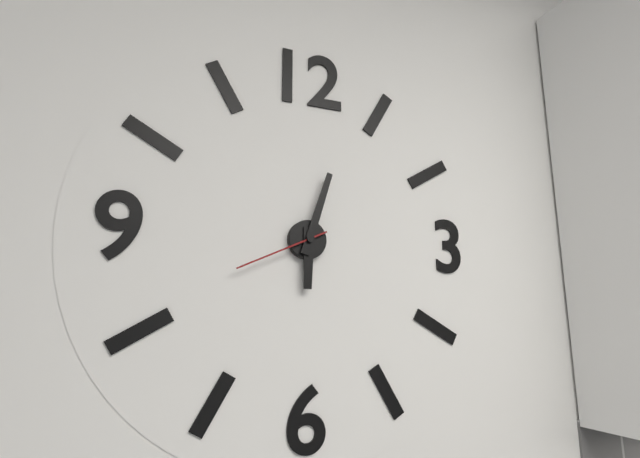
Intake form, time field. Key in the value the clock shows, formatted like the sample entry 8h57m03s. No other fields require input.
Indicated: 6h03m41s
